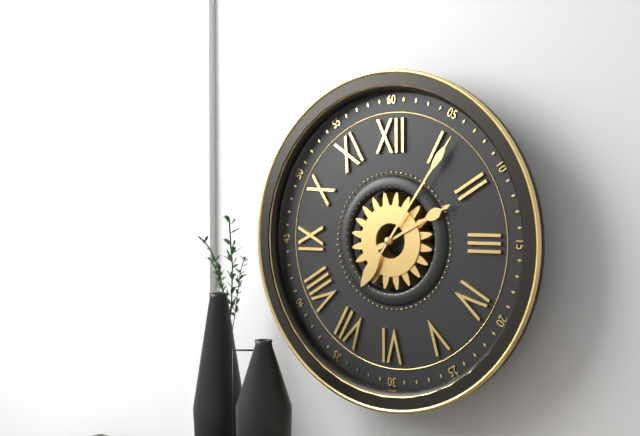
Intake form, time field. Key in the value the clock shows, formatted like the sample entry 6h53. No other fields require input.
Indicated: 2h06
